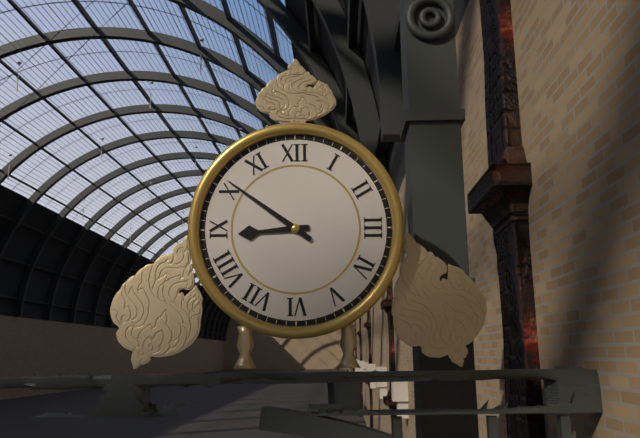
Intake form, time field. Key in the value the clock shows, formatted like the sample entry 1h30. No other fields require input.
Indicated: 8h51
